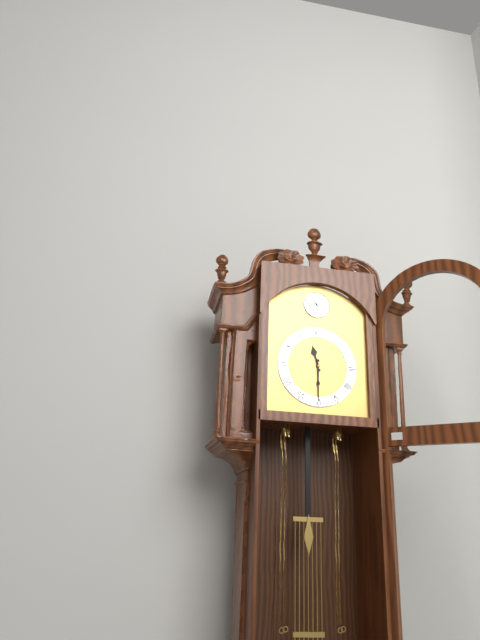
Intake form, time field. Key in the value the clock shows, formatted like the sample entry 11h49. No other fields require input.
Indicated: 11h30
